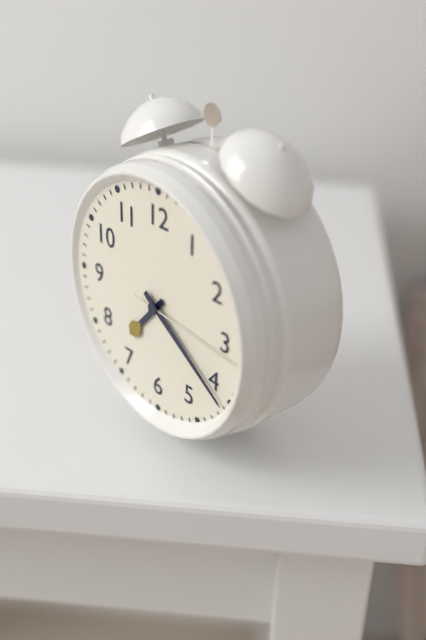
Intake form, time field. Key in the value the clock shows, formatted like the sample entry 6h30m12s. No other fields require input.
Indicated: 7h21m16s
